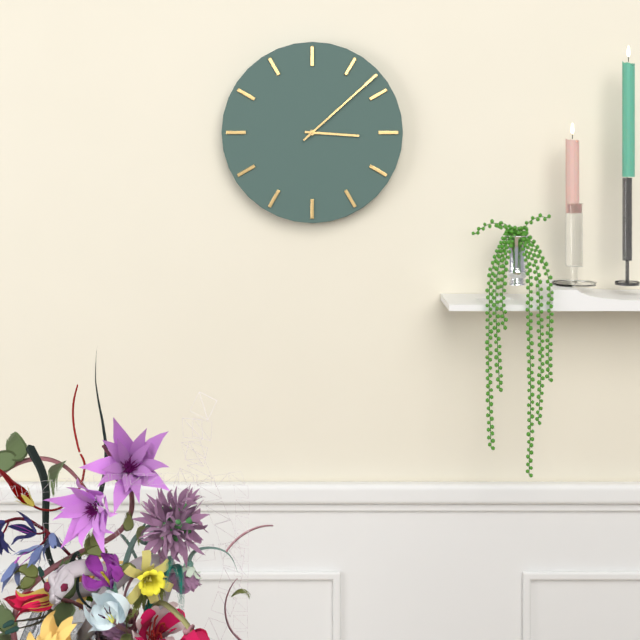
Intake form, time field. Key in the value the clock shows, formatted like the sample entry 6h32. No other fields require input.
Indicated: 3h08
